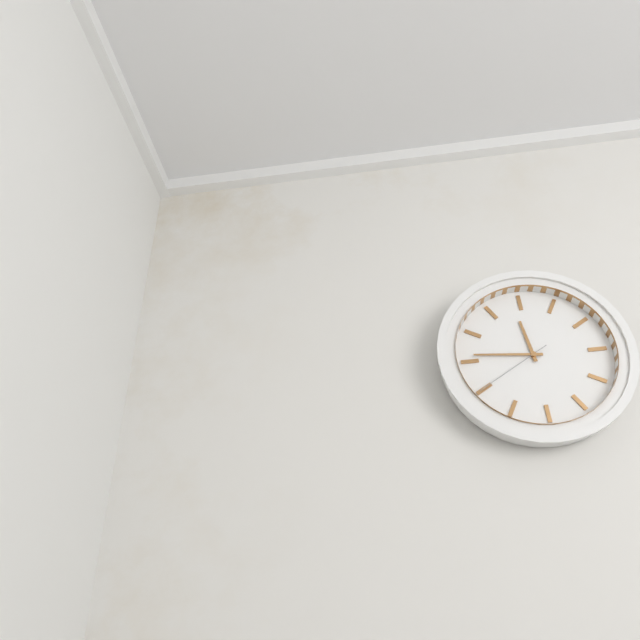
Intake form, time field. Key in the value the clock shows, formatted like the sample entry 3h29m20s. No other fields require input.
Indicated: 11h46m40s
